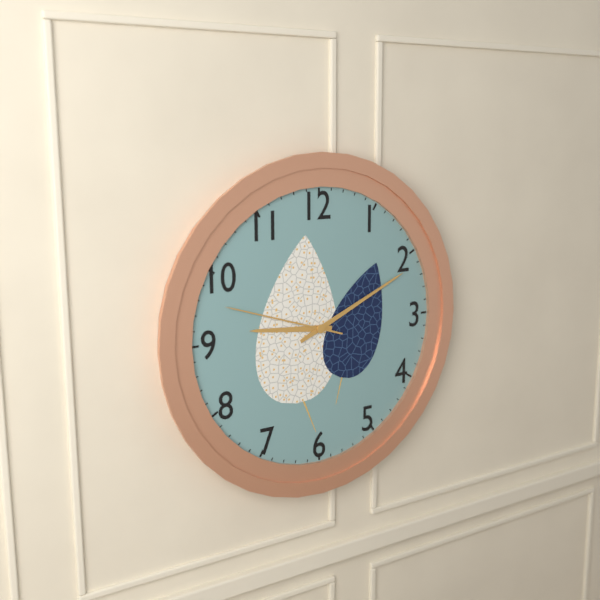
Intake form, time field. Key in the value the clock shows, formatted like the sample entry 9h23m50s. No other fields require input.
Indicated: 9h11m48s
